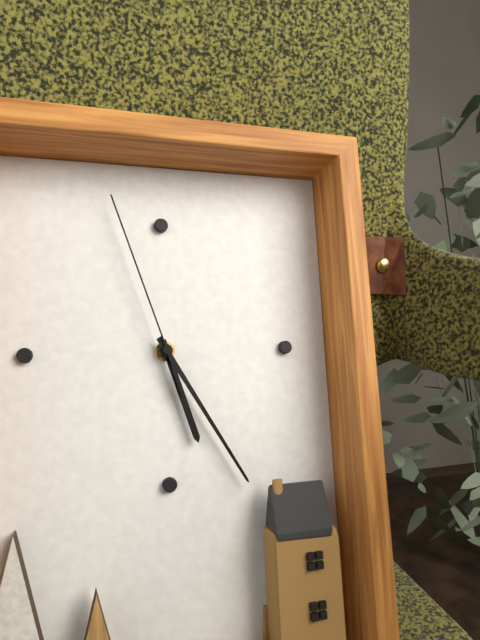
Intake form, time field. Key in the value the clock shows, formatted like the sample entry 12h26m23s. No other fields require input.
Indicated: 5h25m57s
